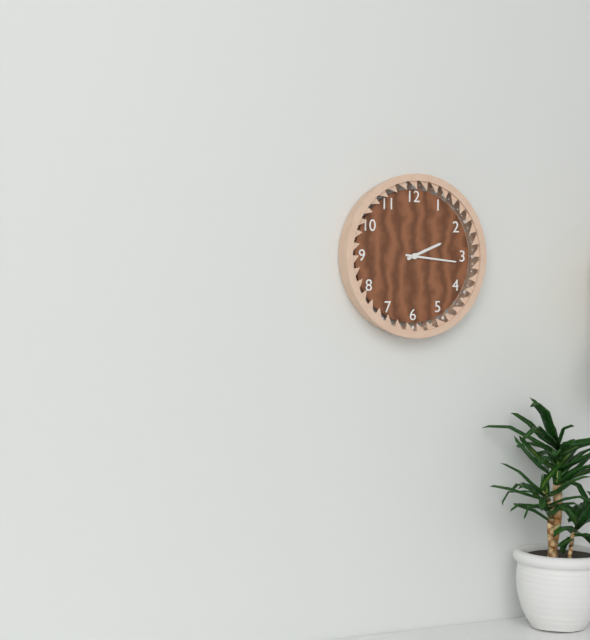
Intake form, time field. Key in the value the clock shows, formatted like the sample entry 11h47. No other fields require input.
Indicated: 2h16
